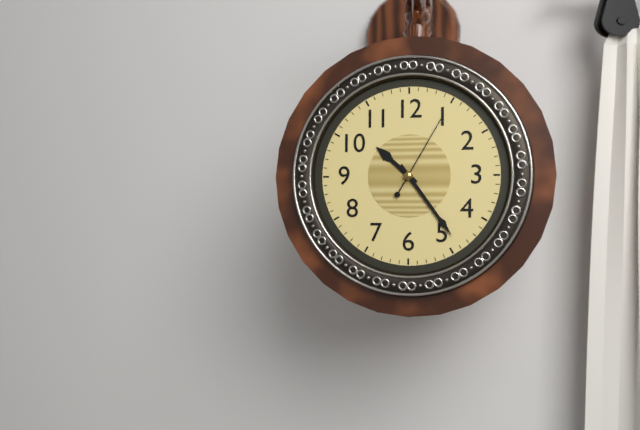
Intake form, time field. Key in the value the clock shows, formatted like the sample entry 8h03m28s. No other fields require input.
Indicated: 10h24m05s
